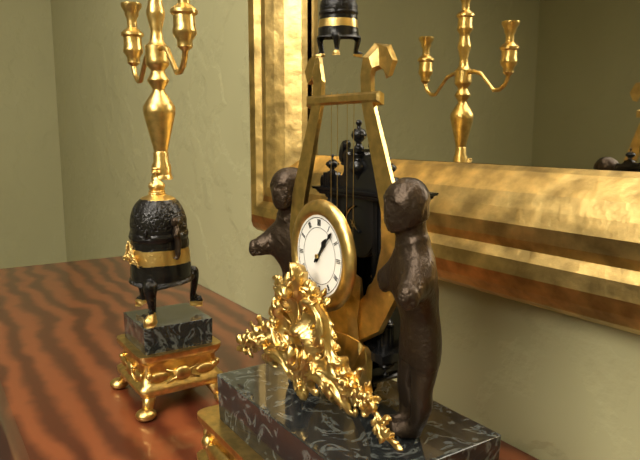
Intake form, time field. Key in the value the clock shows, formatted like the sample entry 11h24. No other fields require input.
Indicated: 1h07
